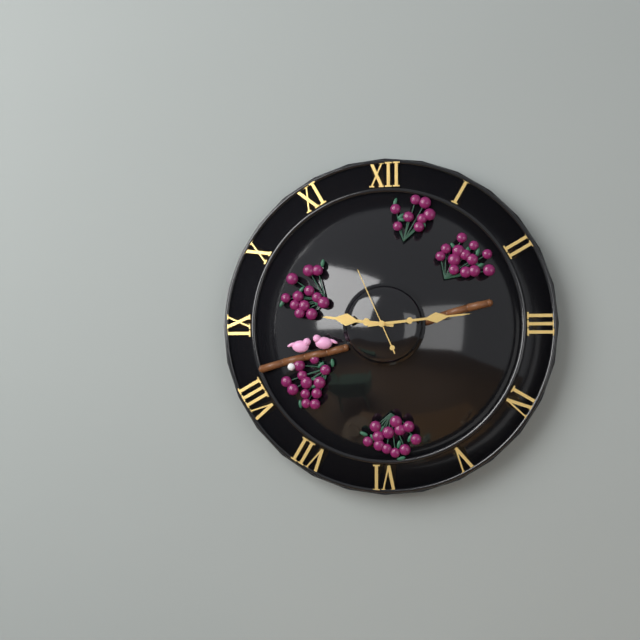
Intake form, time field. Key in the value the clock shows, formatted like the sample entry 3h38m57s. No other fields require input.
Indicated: 9h14m56s
